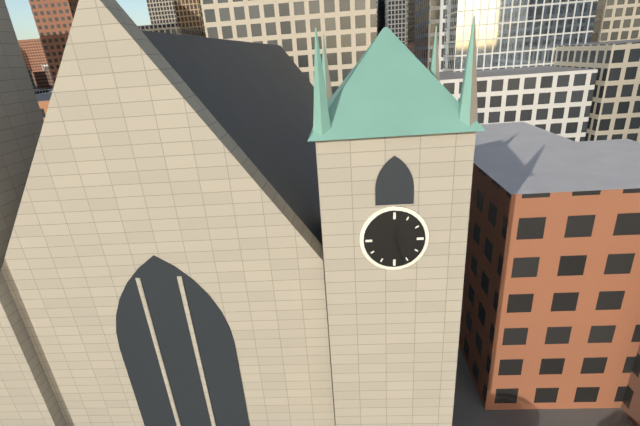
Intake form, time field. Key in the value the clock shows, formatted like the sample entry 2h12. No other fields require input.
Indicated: 12h27
